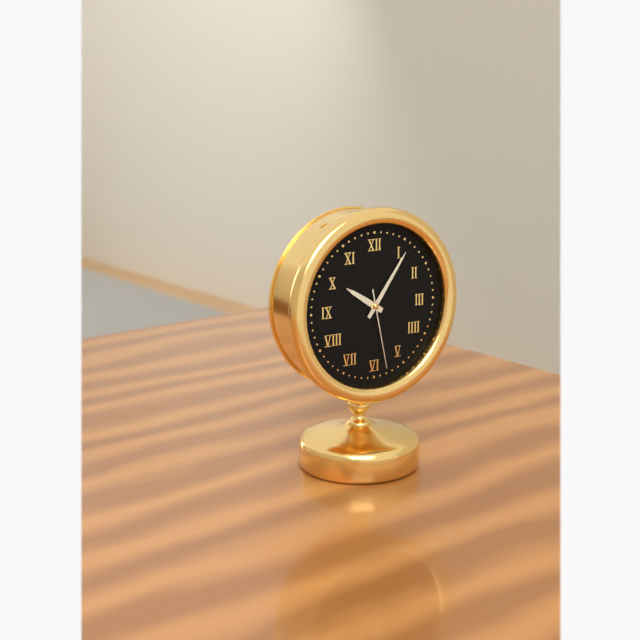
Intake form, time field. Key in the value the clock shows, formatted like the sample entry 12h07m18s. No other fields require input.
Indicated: 10h06m28s
